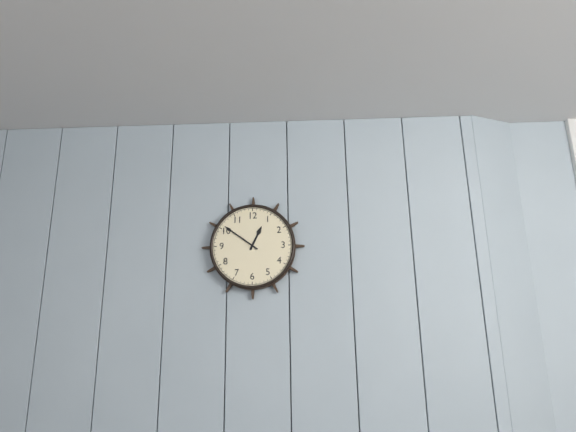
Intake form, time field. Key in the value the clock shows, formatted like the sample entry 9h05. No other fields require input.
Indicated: 12h51
